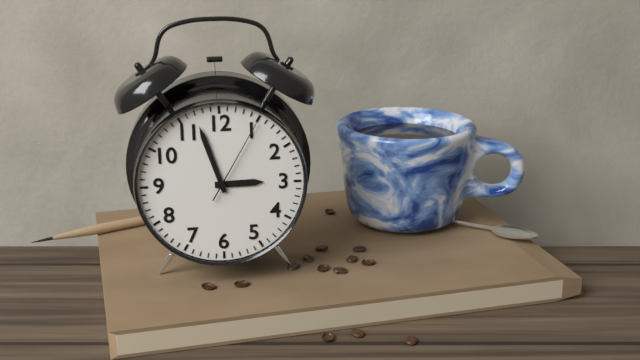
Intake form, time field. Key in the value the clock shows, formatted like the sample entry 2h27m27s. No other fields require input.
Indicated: 2h57m05s
